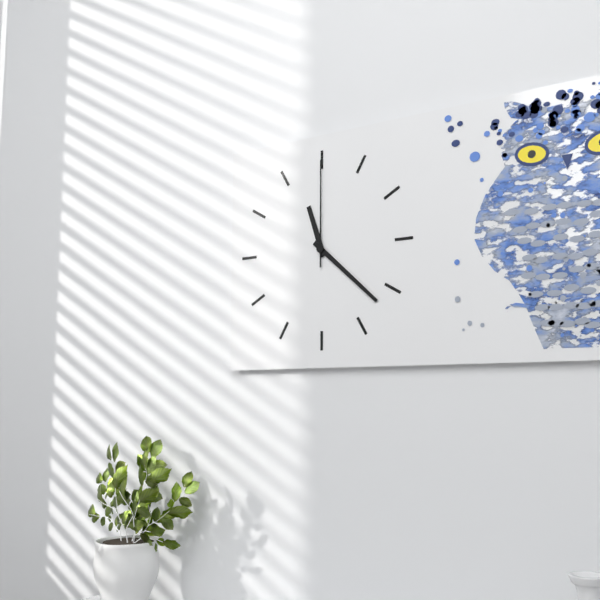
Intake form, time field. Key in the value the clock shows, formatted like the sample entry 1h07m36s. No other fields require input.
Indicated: 11h22m00s
